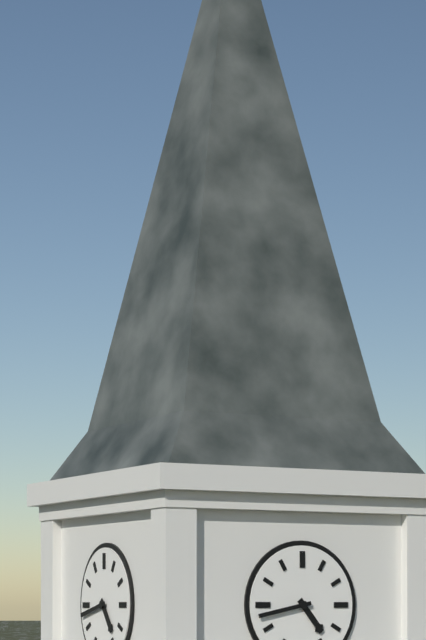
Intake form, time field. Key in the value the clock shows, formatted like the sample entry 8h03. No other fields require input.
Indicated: 4h43
